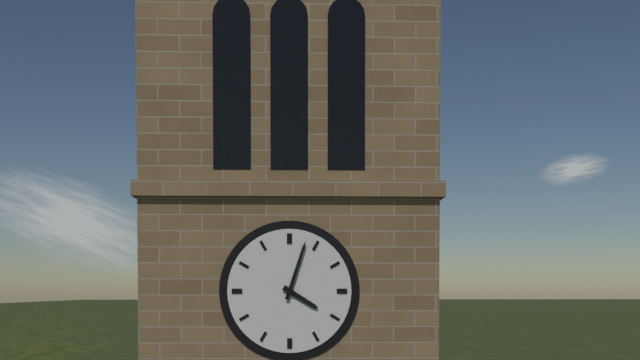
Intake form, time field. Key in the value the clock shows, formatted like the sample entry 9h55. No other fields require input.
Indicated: 4h03
